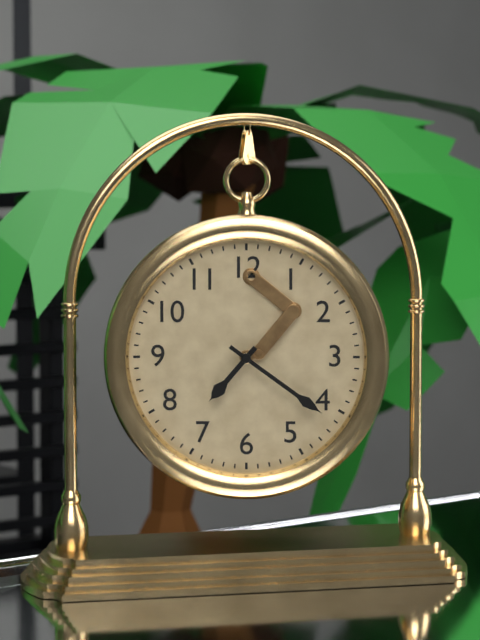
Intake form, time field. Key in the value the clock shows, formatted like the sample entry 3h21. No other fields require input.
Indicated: 7h21
